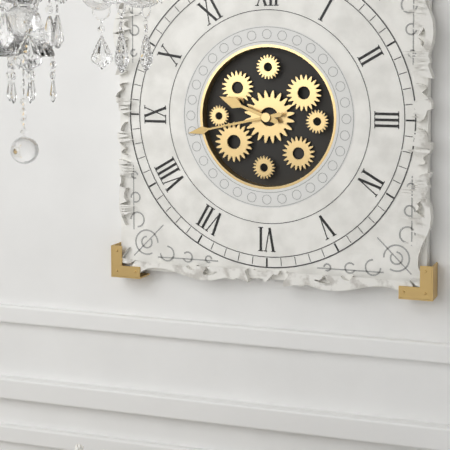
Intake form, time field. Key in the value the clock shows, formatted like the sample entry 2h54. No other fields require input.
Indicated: 9h43
